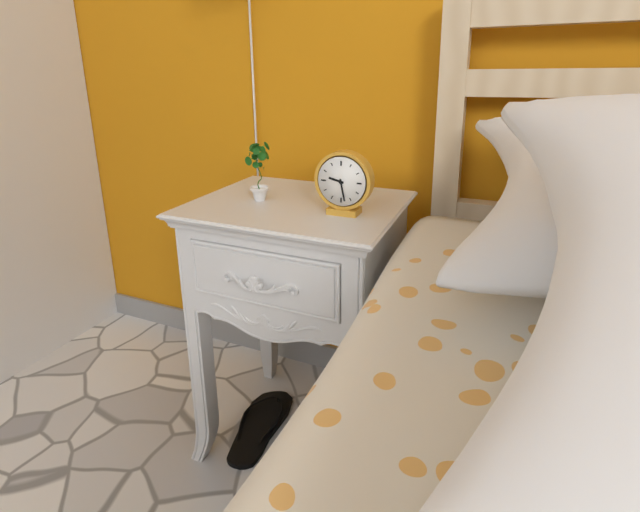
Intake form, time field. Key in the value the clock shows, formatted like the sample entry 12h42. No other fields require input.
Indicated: 9h28
